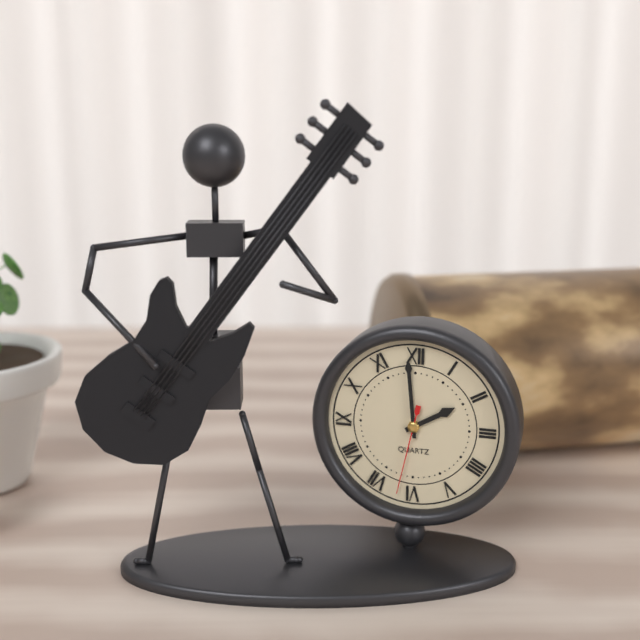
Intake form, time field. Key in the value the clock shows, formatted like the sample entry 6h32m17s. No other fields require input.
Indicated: 1h59m32s
